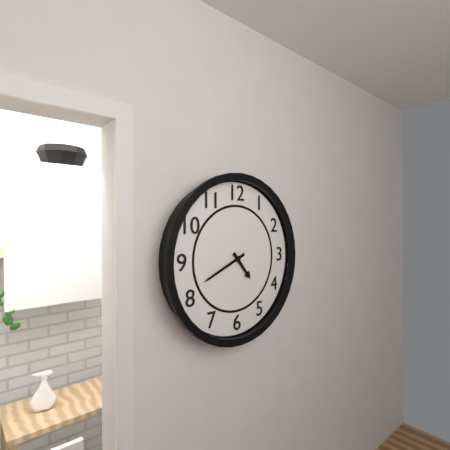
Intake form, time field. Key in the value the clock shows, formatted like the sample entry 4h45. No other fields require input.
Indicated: 4h41
